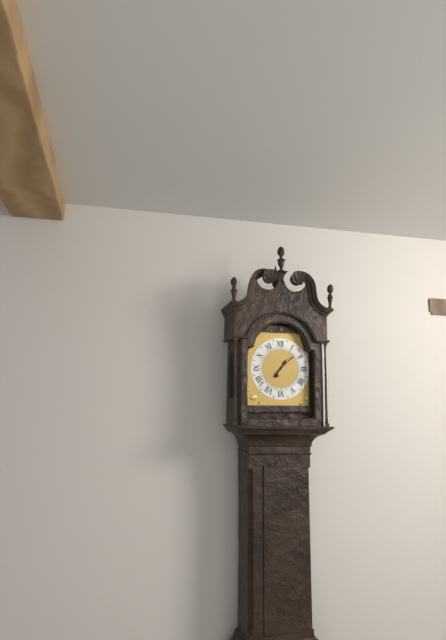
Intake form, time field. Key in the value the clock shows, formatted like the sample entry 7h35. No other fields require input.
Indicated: 1h08
